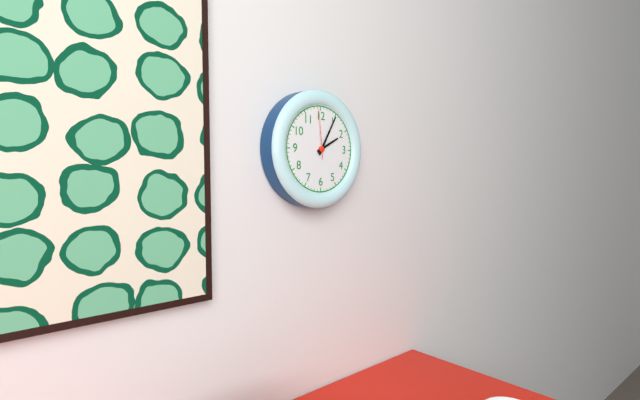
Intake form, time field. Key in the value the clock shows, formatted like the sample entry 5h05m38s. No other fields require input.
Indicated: 2h05m59s
